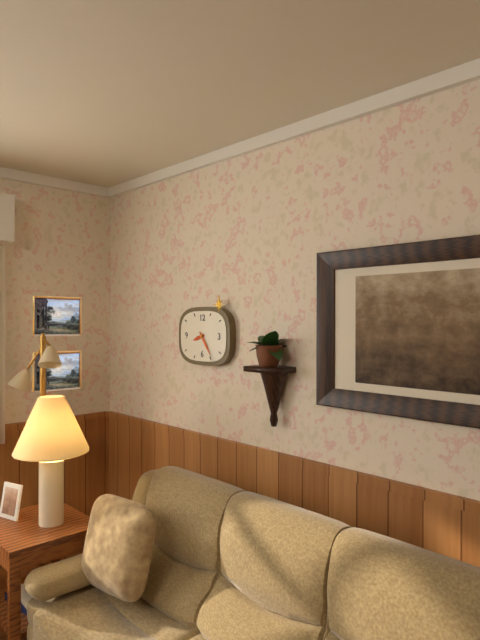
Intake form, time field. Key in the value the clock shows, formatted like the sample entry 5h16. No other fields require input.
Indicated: 8h24
